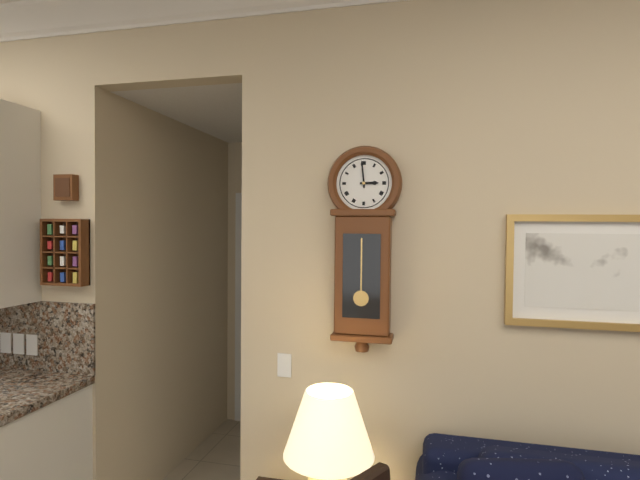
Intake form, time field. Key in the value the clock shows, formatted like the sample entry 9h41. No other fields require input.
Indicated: 2h59
